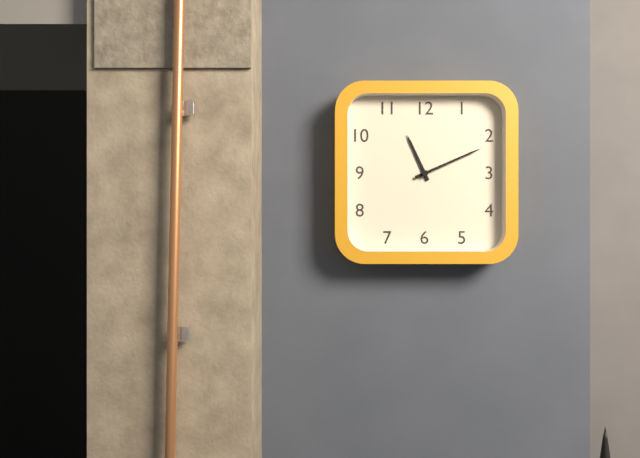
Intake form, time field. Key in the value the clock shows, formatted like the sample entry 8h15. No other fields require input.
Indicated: 11h11
